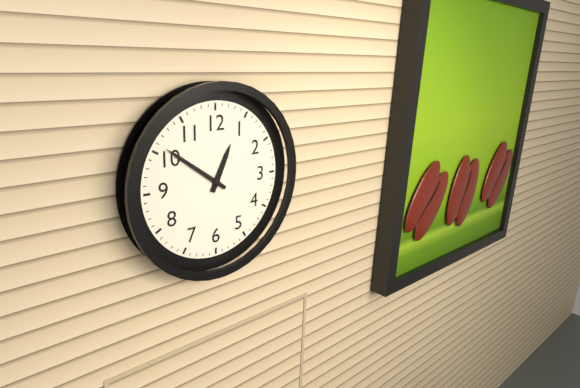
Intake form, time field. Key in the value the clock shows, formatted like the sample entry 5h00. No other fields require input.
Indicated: 12h51
